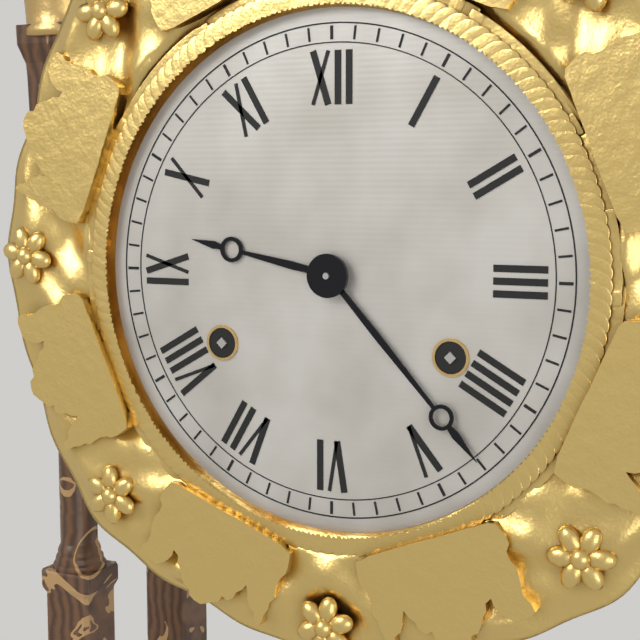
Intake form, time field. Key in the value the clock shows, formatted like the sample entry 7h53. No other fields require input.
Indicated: 9h23
